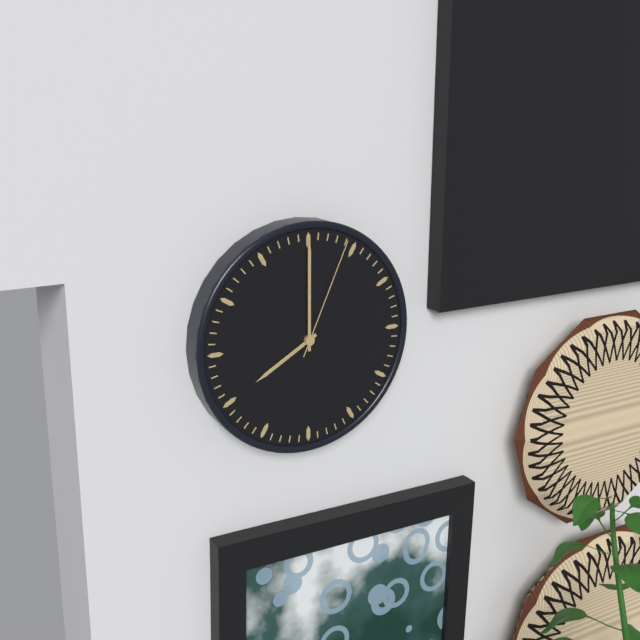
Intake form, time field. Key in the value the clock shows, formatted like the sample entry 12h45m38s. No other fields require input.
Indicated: 8h00m04s
